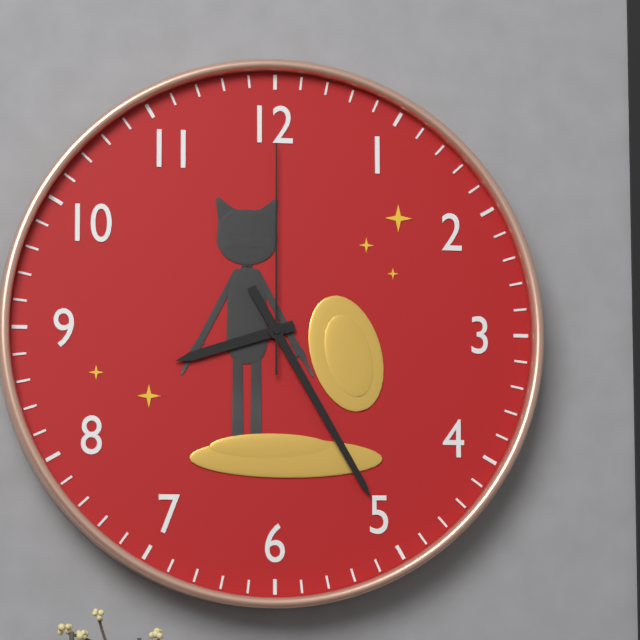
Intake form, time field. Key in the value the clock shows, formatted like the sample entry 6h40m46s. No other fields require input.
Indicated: 8h25m00s
